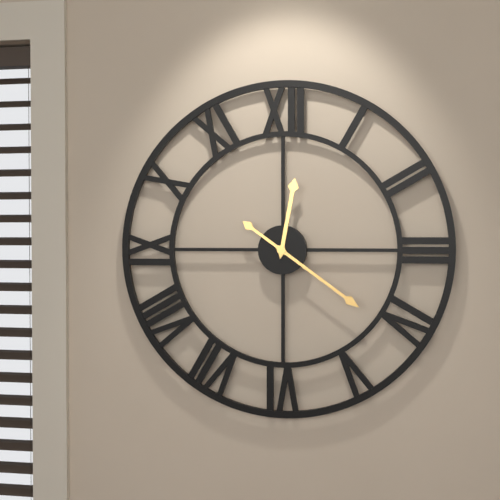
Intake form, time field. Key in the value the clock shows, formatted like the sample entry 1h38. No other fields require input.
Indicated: 12h21
